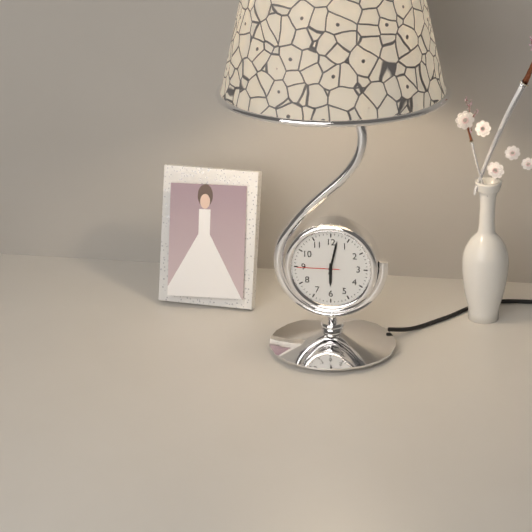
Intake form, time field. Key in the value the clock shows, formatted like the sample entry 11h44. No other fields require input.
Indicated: 6h02
